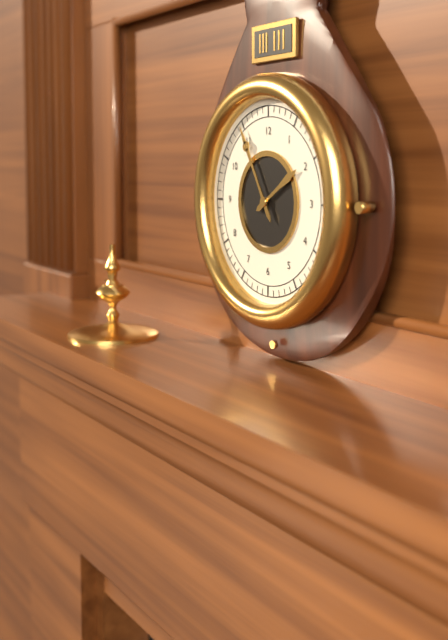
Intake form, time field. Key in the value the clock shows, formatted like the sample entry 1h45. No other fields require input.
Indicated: 1h55
